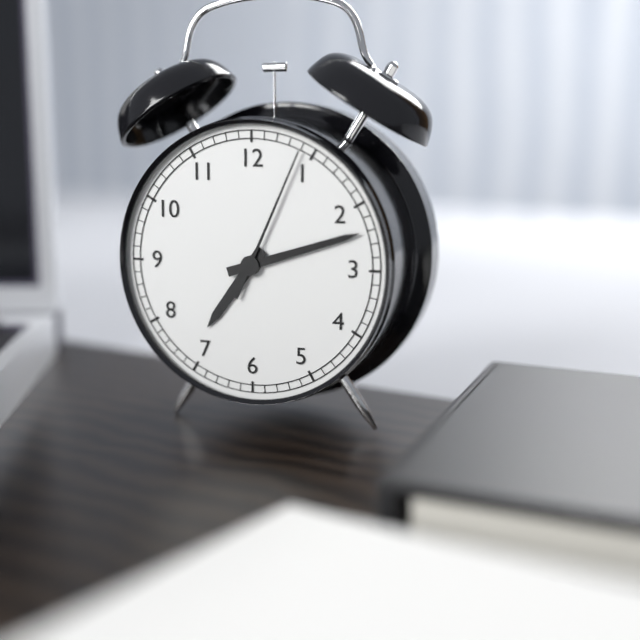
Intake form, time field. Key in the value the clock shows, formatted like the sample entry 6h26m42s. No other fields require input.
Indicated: 7h12m04s
